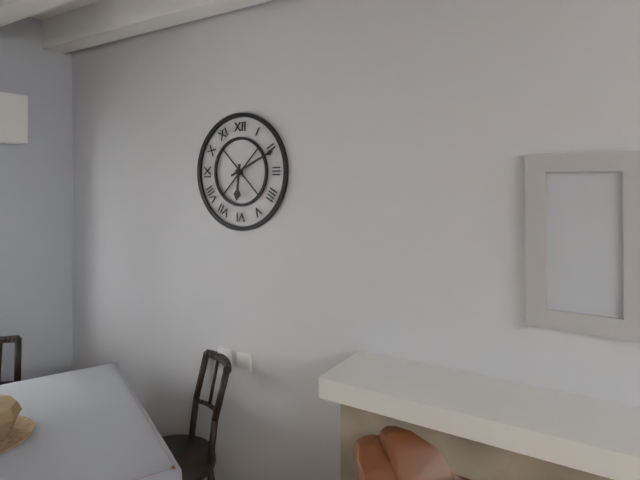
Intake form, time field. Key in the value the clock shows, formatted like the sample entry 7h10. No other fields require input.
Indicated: 6h11
